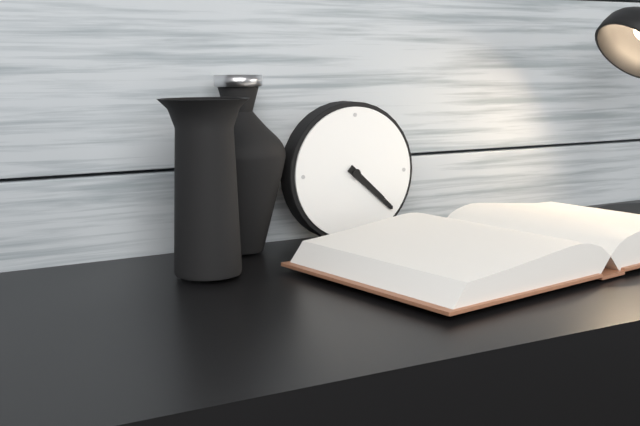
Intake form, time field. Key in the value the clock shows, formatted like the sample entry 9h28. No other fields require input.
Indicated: 4h22
